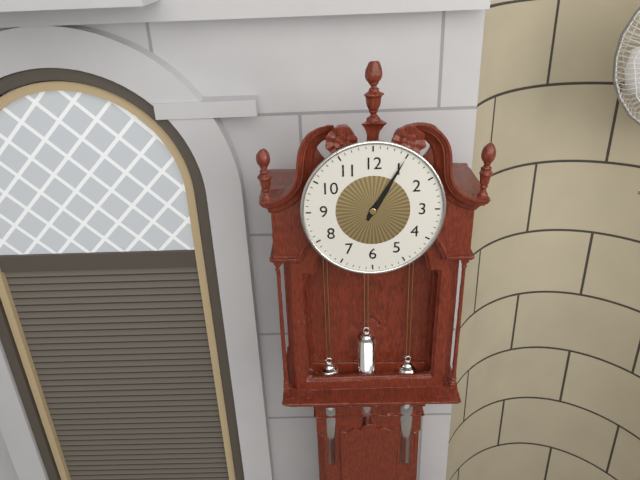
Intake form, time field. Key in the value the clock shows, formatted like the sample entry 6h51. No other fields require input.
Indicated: 1h05
